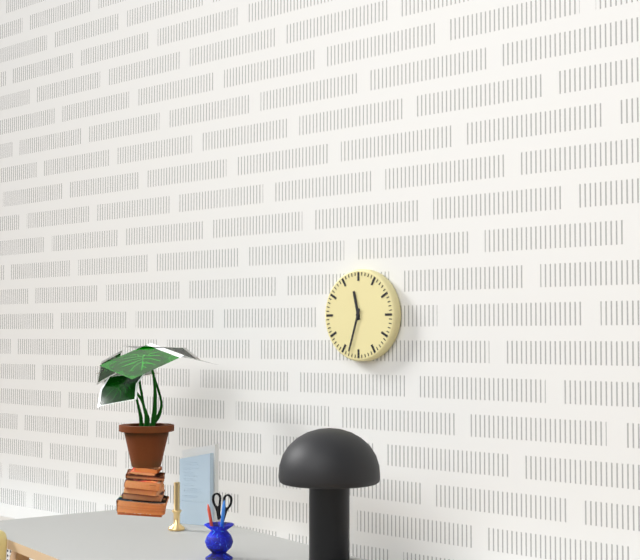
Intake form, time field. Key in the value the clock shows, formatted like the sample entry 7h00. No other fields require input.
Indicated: 11h33
